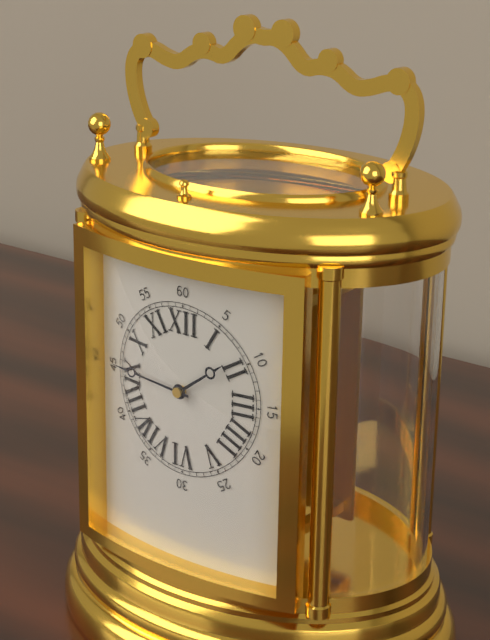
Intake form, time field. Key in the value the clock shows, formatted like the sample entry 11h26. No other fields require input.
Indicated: 1h46
